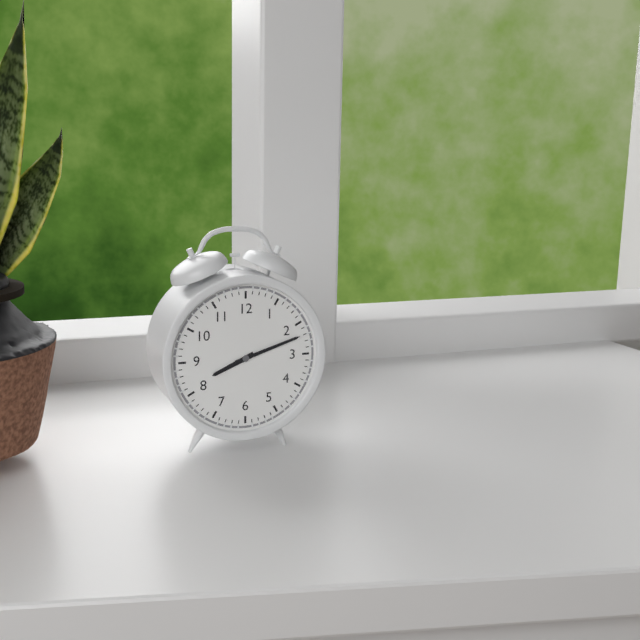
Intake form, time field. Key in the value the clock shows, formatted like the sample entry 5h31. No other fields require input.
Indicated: 8h12
